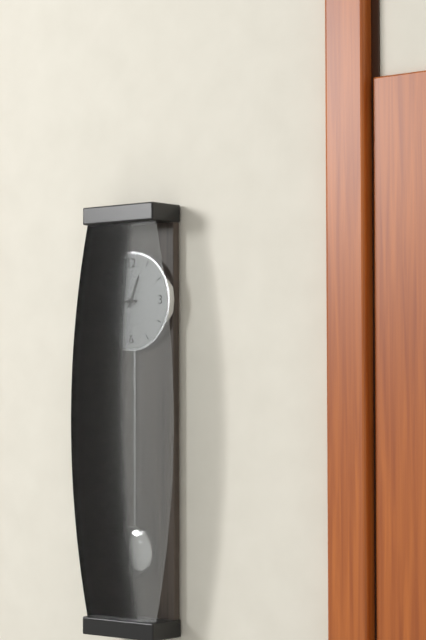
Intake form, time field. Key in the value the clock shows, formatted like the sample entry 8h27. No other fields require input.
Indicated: 12h45
